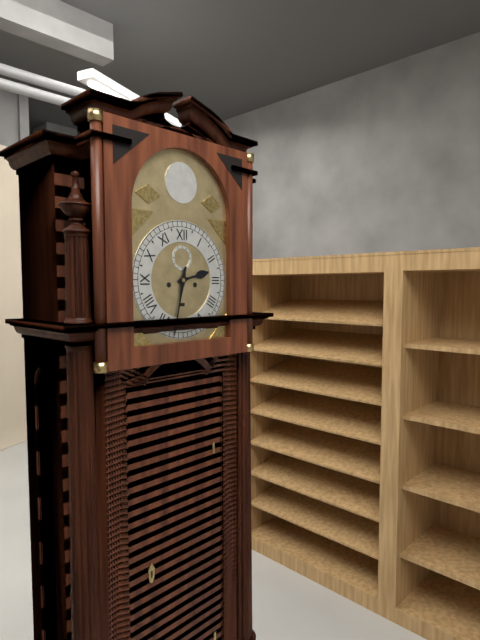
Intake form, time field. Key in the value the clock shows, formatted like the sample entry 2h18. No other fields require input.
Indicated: 2h32
